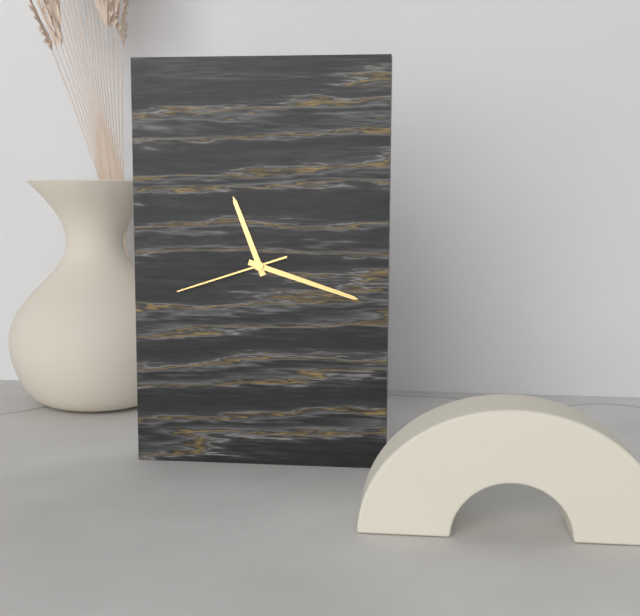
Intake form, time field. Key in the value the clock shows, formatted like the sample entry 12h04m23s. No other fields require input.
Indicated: 11h18m42s
